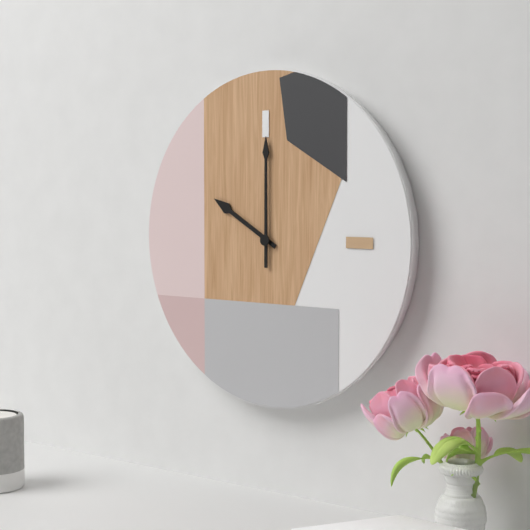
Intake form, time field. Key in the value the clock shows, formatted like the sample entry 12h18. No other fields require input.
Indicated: 10h00
